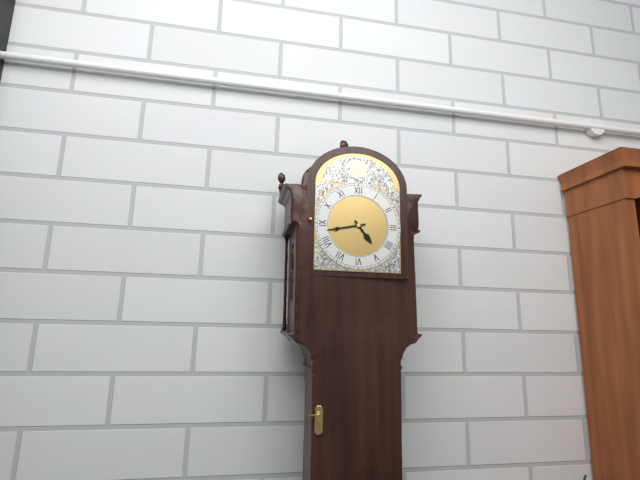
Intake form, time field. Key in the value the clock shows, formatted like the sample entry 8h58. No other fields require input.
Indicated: 4h43
